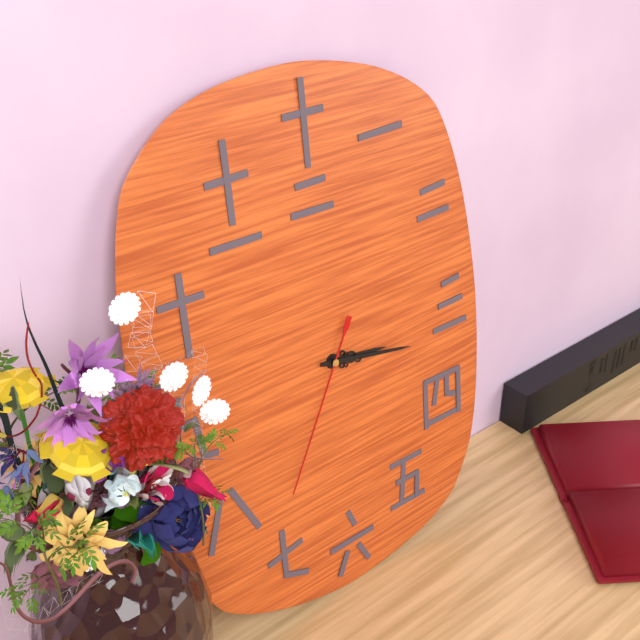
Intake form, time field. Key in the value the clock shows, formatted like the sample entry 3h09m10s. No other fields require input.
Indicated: 3h17m35s
